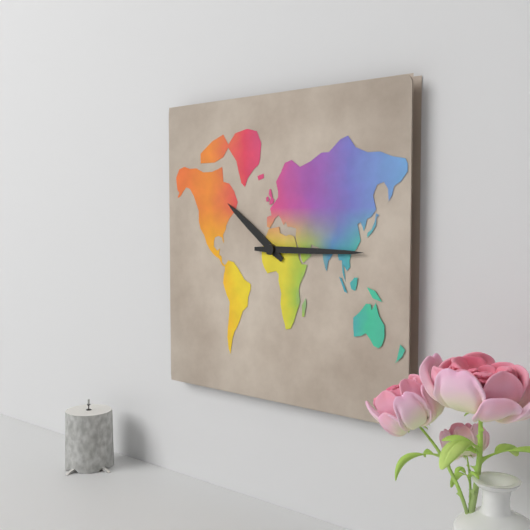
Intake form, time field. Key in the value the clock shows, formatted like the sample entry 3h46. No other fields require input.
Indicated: 10h15
